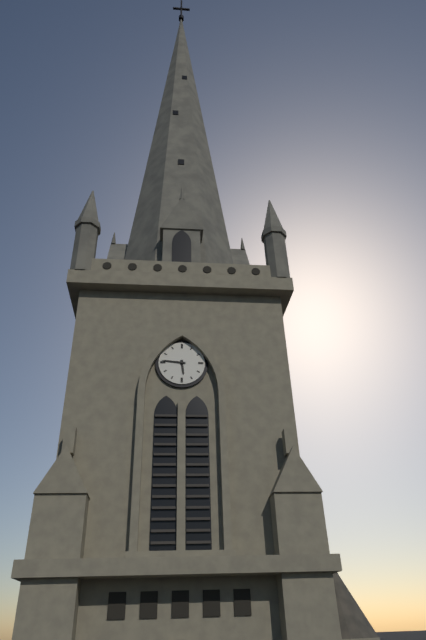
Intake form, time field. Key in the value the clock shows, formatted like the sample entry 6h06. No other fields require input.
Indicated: 5h46
